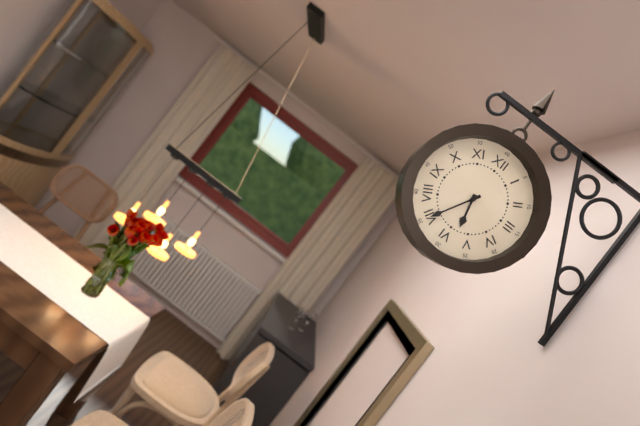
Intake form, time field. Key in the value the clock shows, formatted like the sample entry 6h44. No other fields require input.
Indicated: 5h35
